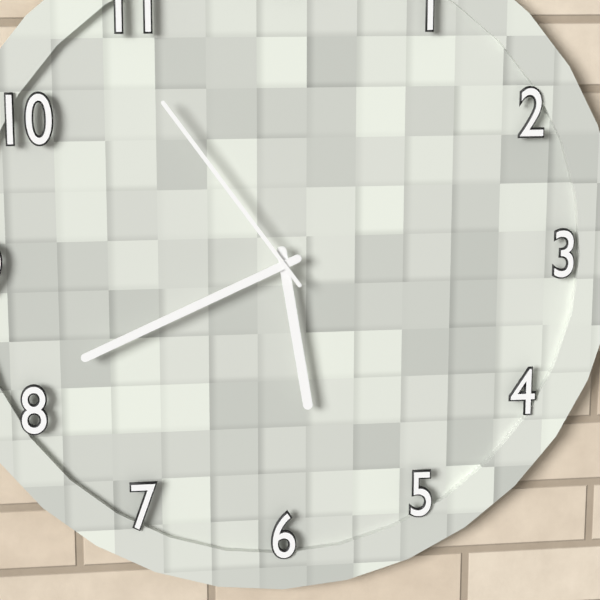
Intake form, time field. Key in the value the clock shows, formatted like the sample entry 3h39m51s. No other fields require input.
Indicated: 5h41m54s
